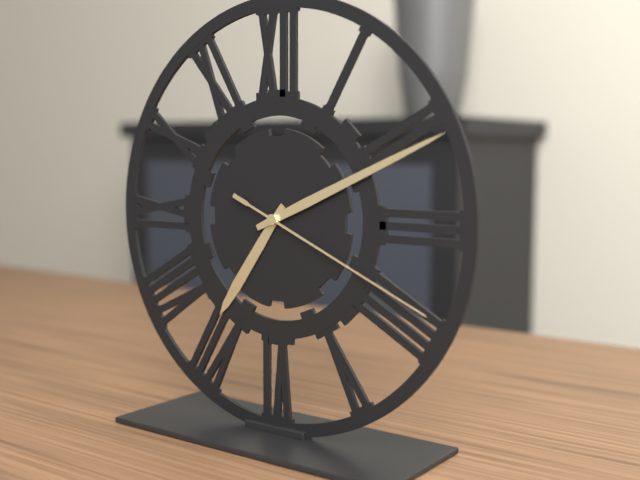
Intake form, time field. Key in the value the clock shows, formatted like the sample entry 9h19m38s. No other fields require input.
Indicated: 7h11m19s
